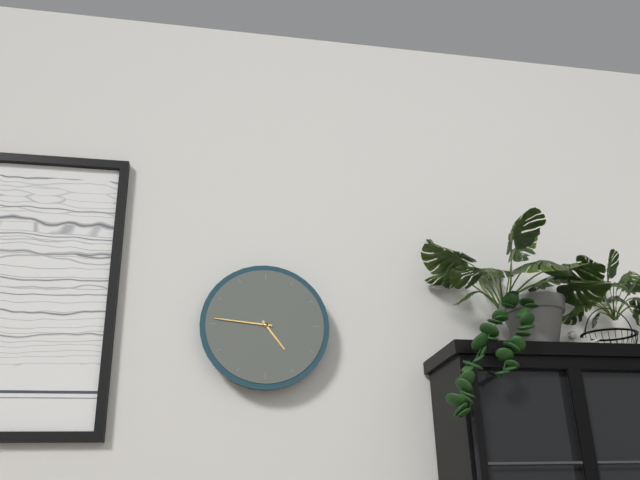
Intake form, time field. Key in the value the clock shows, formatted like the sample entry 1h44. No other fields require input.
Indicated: 4h46
